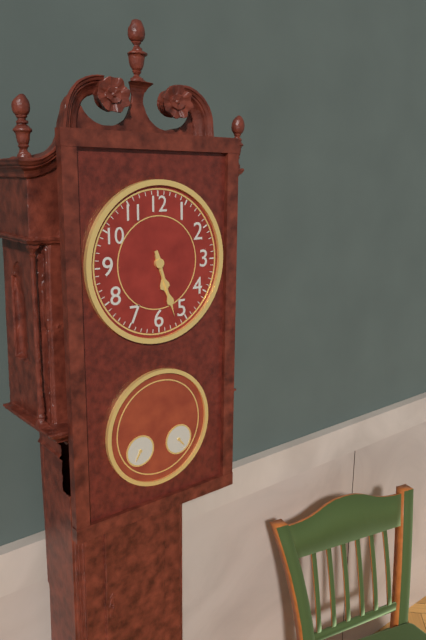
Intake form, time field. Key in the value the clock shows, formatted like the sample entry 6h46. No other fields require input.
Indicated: 5h27
